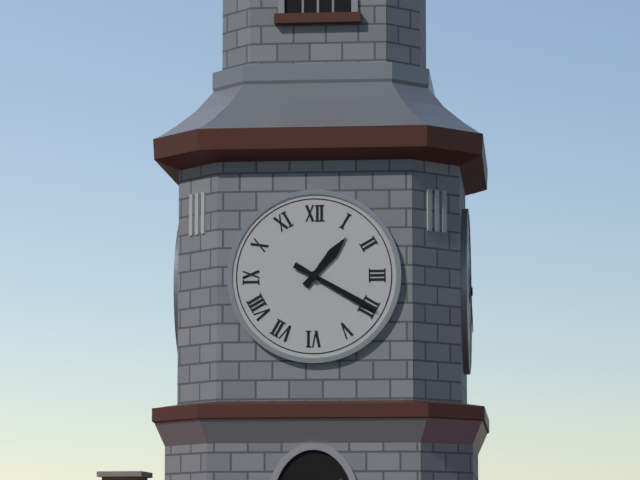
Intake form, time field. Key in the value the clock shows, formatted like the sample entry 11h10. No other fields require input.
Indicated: 1h20
